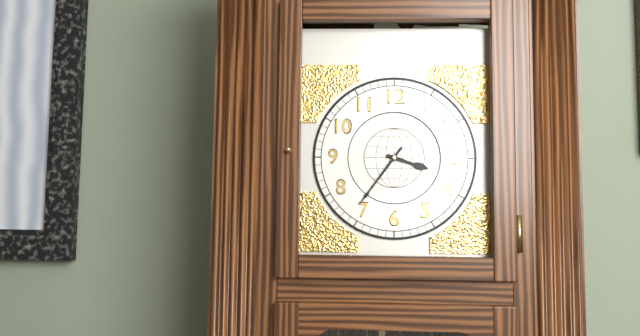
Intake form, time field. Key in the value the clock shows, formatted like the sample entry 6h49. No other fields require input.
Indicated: 3h36
